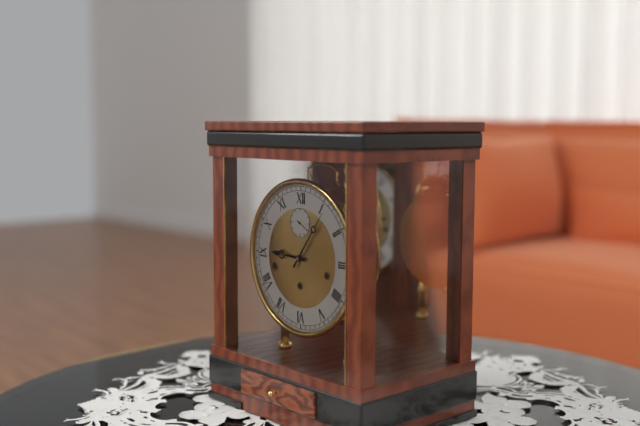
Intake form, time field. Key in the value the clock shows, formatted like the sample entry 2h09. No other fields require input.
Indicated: 9h06
